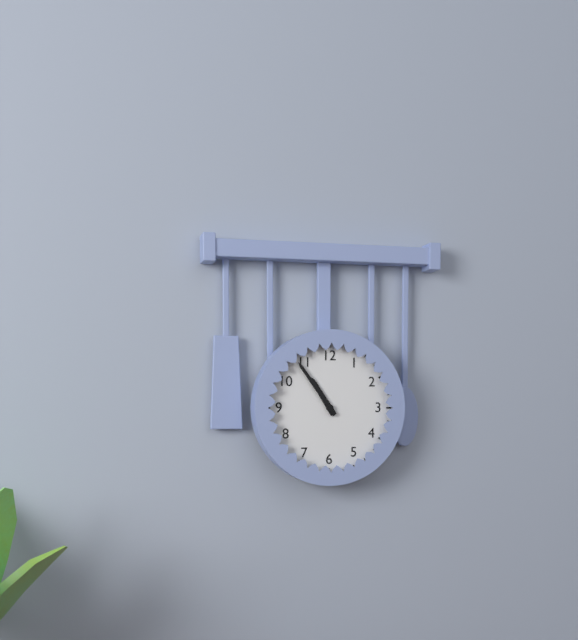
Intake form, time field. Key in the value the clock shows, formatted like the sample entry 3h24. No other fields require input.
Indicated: 10h54
